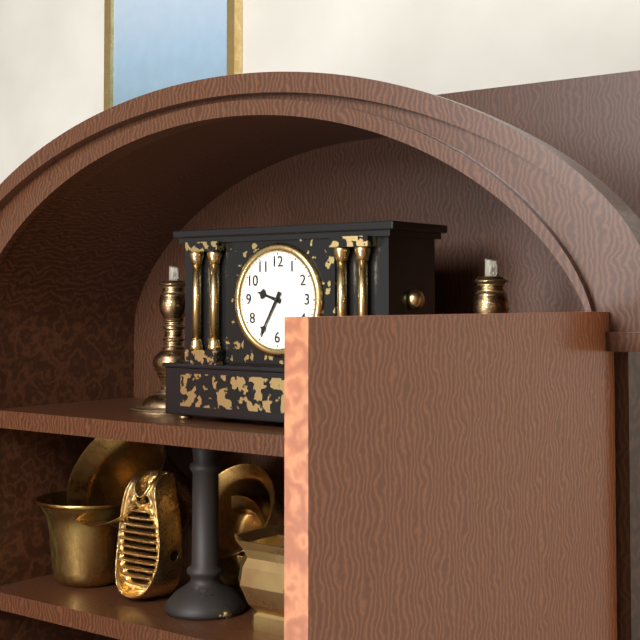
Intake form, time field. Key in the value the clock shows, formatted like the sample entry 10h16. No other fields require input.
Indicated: 9h35
